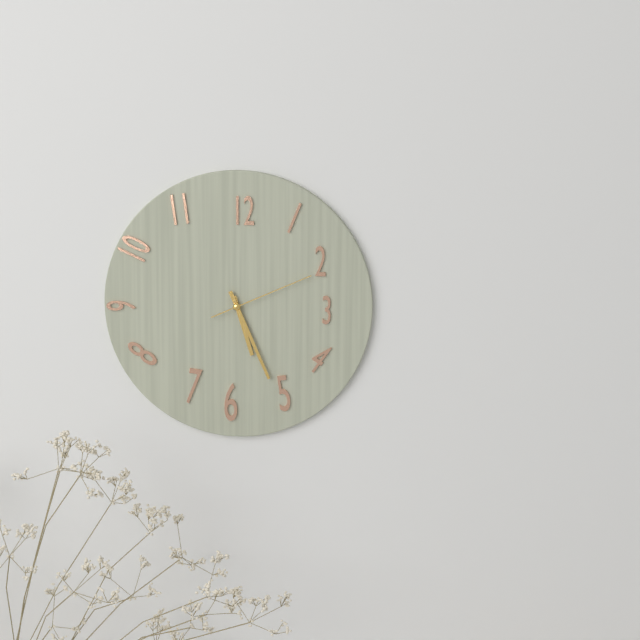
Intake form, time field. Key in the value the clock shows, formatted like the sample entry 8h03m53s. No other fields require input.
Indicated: 5h26m11s
